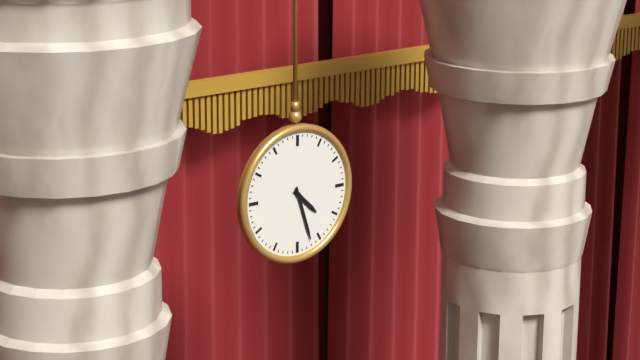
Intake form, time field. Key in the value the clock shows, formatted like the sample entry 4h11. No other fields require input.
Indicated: 4h27
